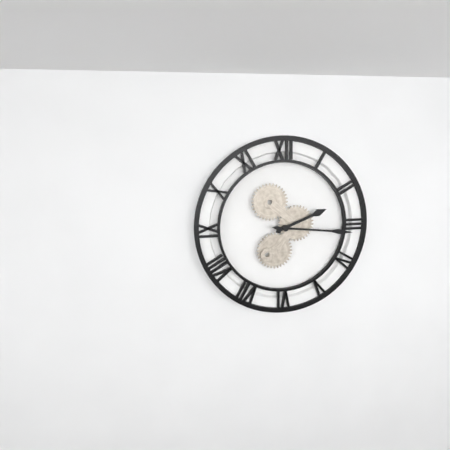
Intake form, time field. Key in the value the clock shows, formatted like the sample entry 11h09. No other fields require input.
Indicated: 2h16
